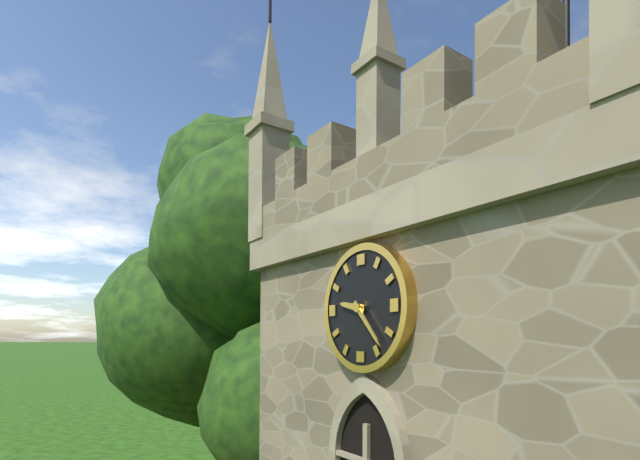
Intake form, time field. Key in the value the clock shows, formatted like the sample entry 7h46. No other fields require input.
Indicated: 9h23
